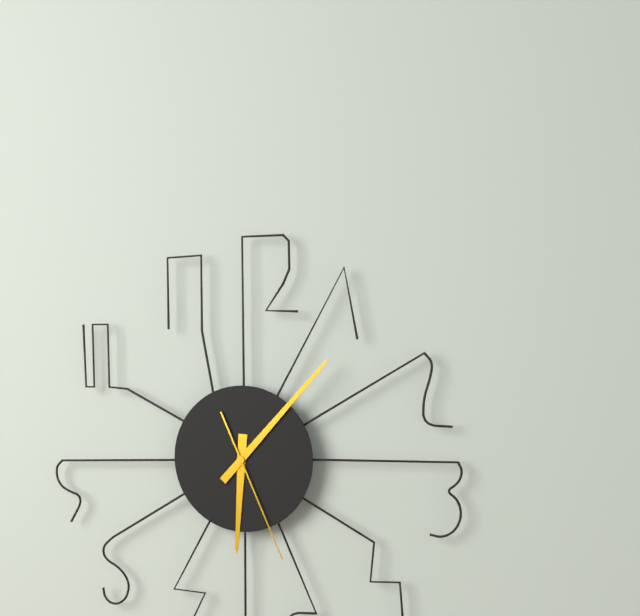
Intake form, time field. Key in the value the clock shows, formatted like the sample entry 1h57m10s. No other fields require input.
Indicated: 6h07m26s
